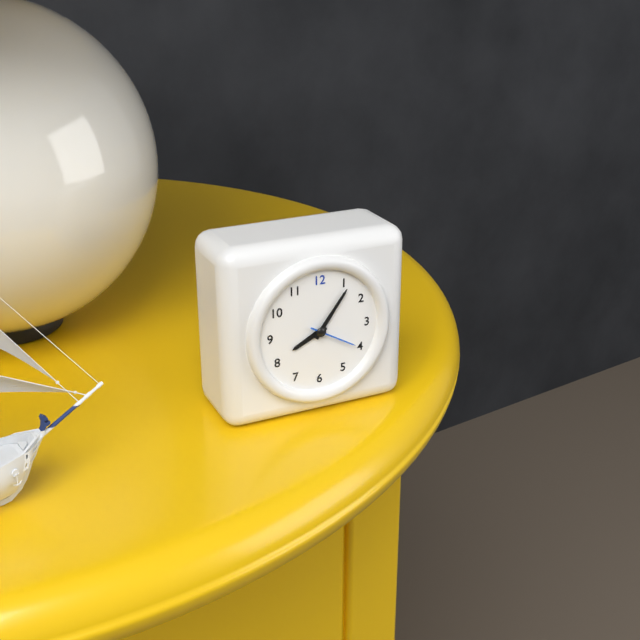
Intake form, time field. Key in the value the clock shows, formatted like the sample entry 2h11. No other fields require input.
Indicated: 8h06
